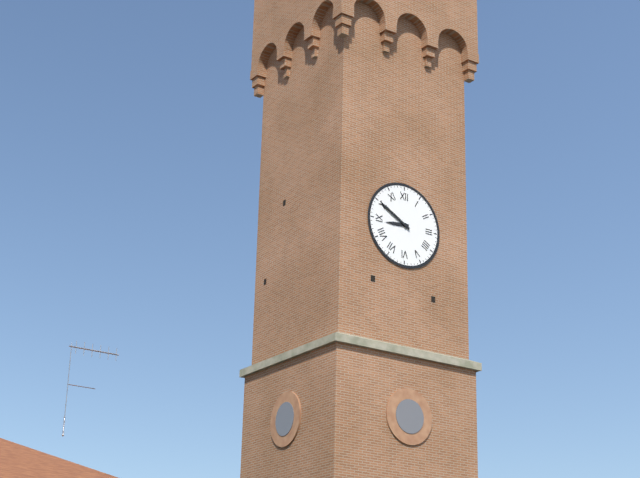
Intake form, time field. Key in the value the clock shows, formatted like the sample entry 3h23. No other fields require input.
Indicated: 8h50
